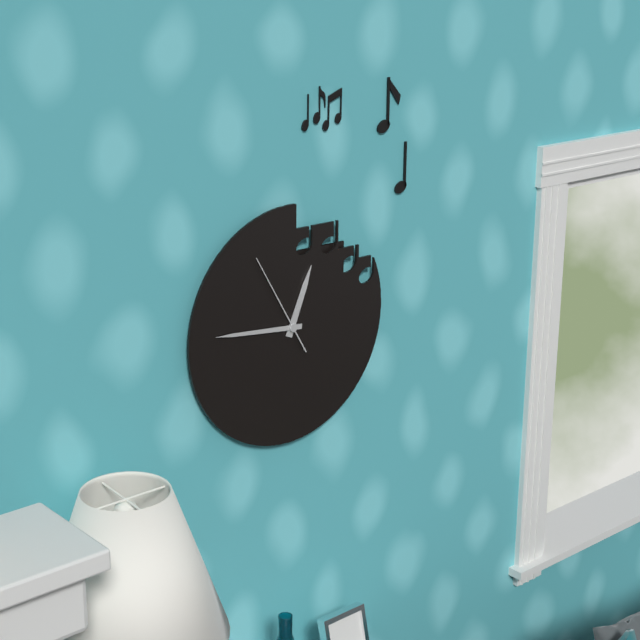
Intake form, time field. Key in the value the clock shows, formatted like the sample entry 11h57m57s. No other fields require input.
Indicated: 12h46m55s
